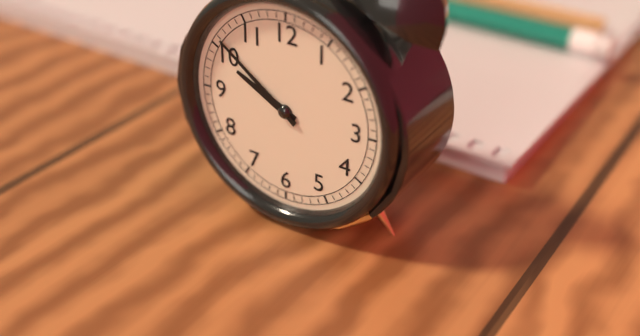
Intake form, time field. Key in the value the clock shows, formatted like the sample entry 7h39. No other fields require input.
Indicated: 9h51
